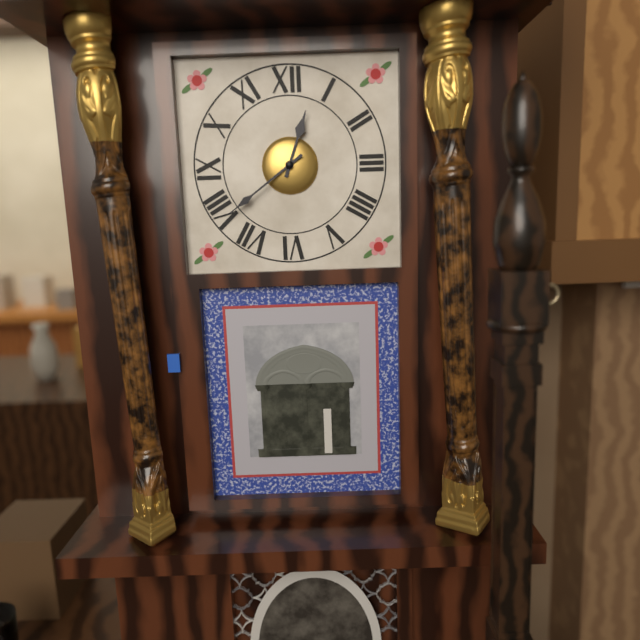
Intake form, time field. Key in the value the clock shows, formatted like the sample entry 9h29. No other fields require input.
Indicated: 12h39
